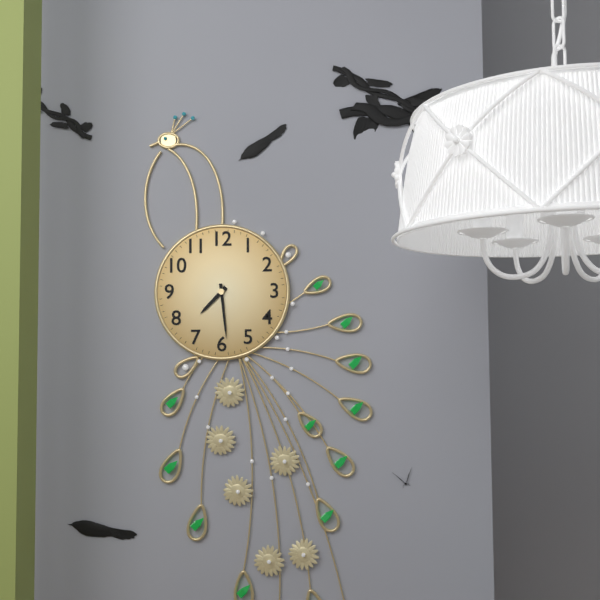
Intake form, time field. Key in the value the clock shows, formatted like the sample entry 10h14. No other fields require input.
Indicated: 7h29
